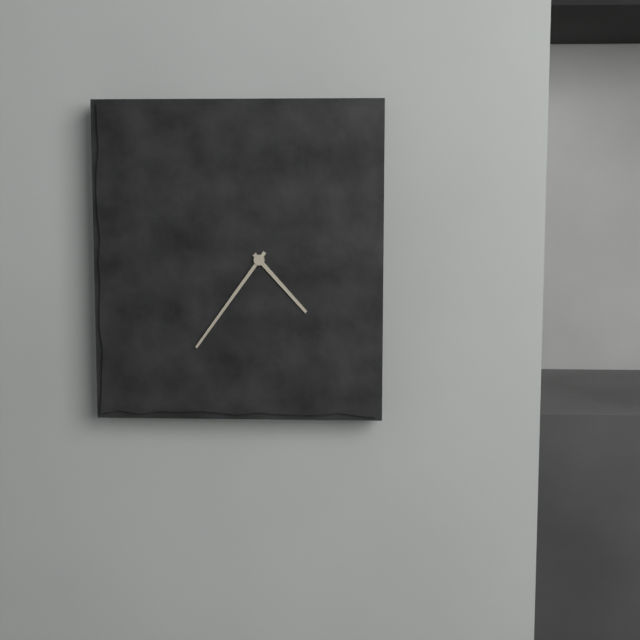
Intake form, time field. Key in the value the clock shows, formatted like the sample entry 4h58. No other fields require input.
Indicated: 4h36
